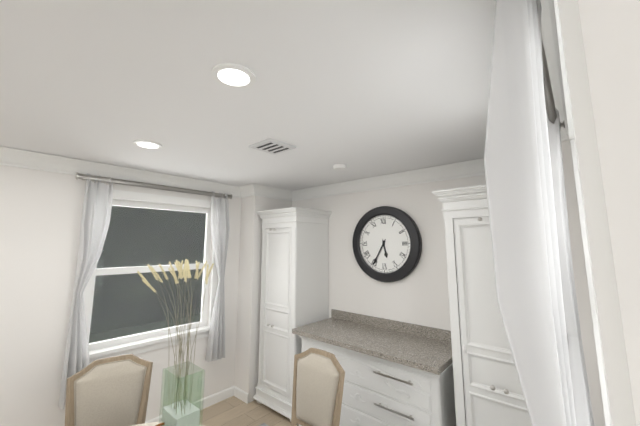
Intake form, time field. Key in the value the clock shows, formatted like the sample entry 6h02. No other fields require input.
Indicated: 5h35
